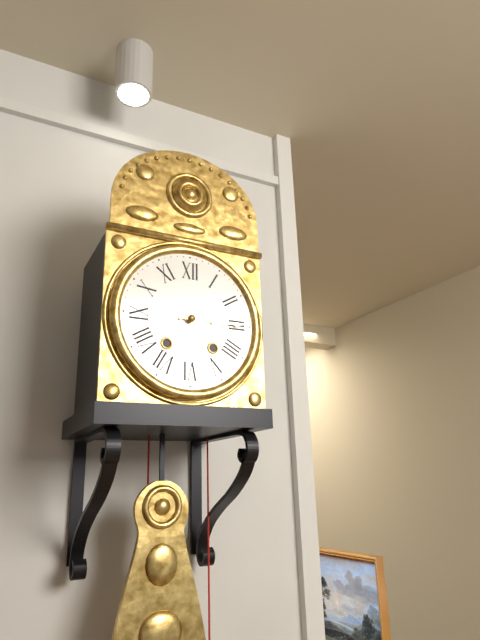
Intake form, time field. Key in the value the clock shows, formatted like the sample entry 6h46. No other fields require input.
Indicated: 3h15
